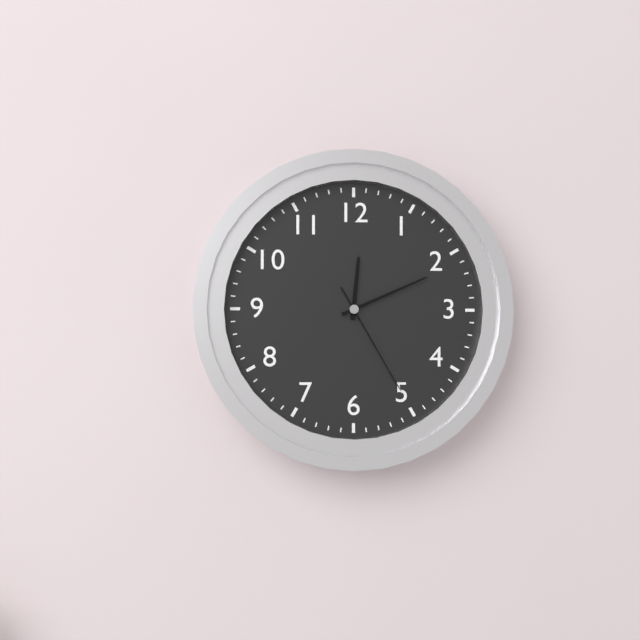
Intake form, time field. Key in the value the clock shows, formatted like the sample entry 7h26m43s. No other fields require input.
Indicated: 12h11m25s
